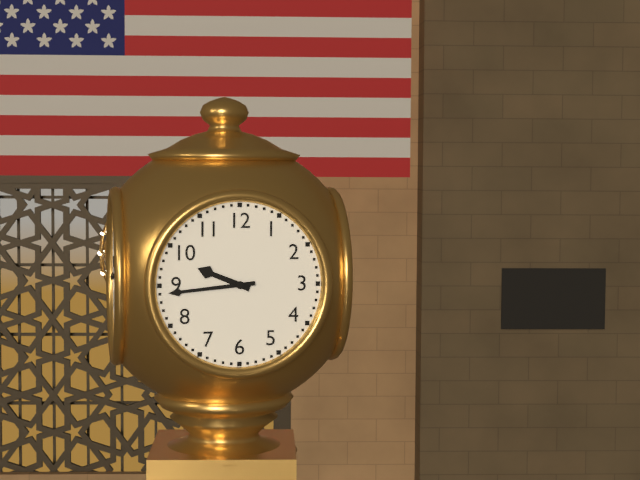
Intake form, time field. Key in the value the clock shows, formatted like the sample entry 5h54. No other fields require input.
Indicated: 9h44
